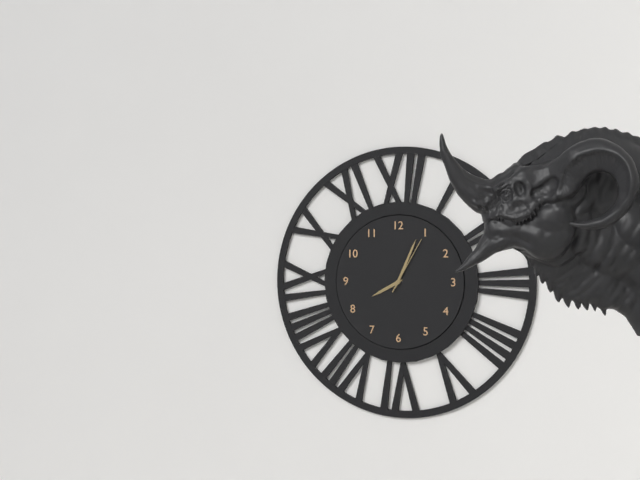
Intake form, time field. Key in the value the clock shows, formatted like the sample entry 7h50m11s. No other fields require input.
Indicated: 8h04m05s
